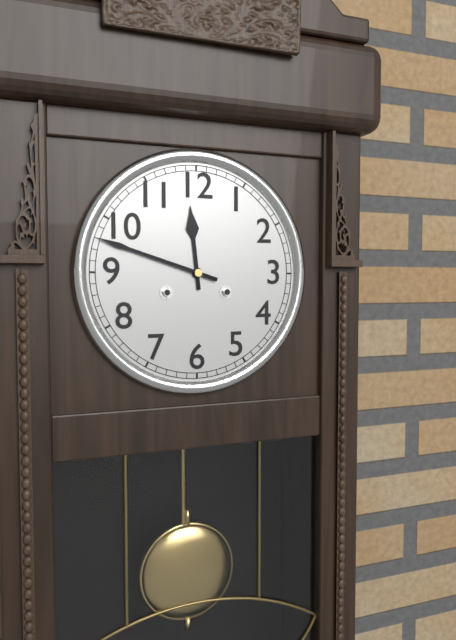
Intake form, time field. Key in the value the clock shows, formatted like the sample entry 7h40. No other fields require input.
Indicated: 11h48
